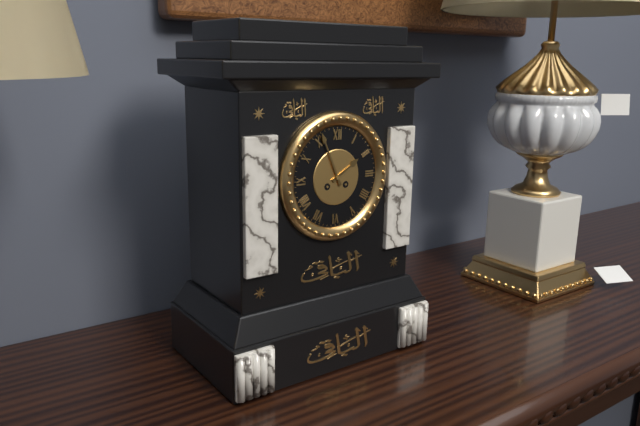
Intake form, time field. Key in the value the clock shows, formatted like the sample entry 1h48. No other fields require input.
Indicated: 1h56
